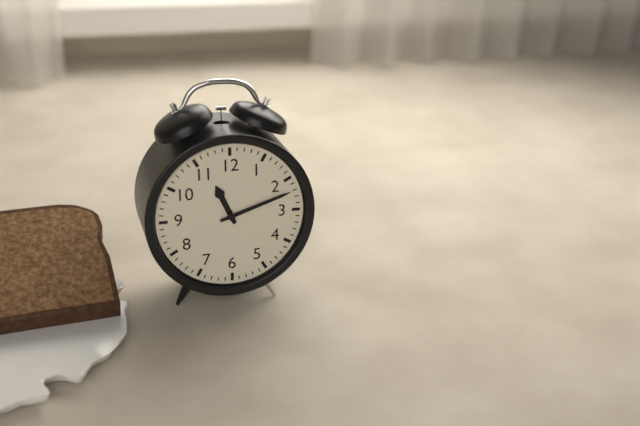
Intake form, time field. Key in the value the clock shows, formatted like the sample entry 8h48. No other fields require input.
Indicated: 11h12
